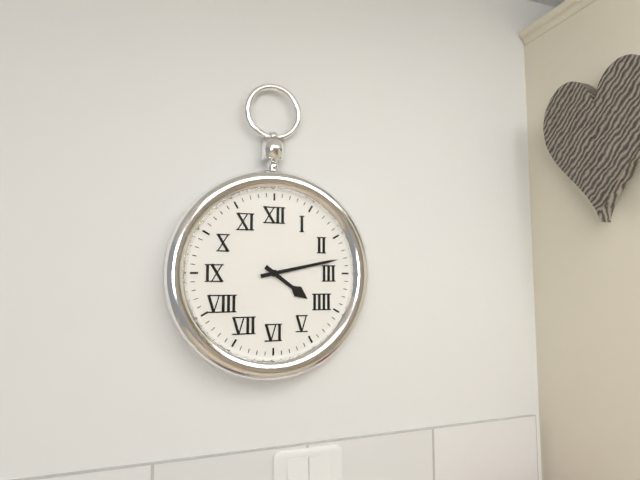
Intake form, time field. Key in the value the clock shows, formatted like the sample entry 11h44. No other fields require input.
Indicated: 4h13
